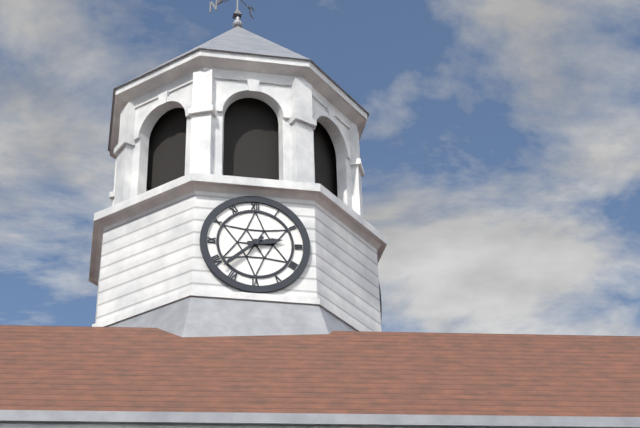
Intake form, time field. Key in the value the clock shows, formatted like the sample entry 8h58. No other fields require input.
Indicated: 2h38
